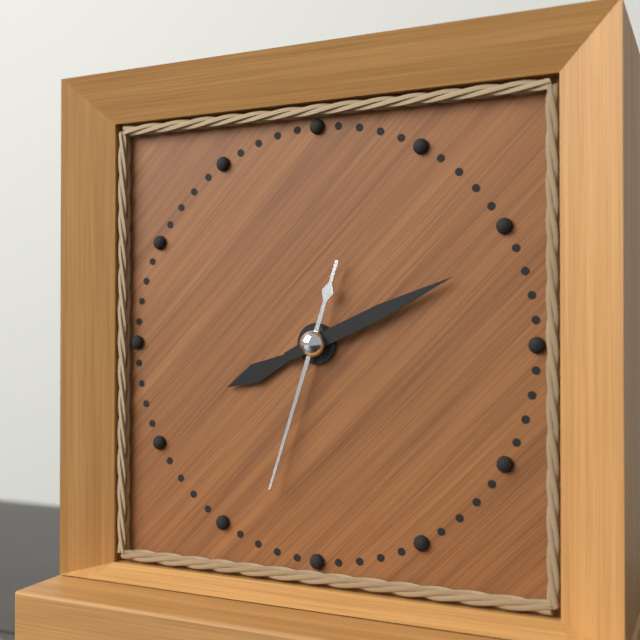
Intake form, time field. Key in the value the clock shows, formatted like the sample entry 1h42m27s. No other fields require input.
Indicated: 8h11m33s
